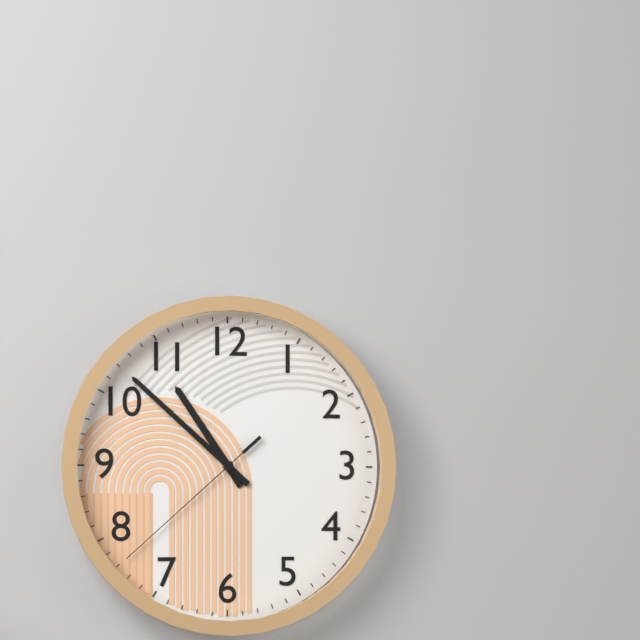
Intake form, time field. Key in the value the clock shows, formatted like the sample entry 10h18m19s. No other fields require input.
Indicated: 10h52m38s
